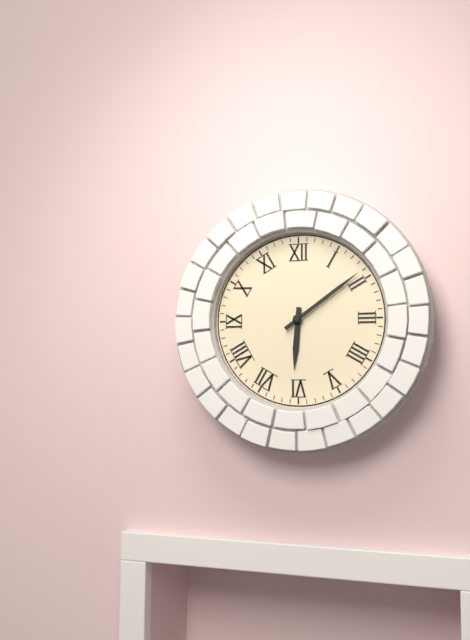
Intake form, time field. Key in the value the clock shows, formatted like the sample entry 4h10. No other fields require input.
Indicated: 6h09
